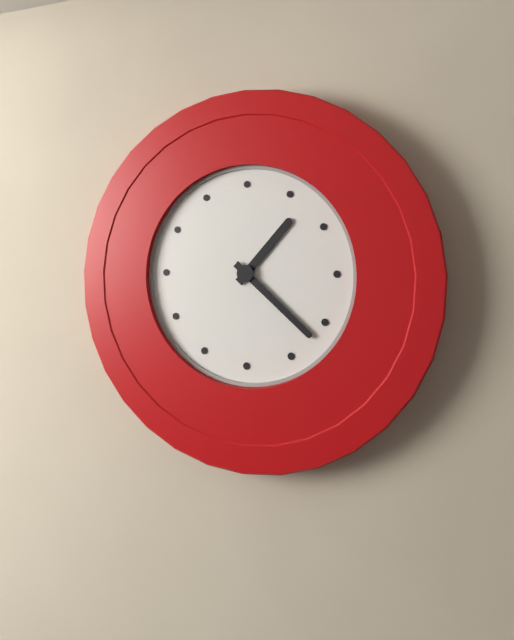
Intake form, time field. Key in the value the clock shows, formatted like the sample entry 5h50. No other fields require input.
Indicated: 1h22
